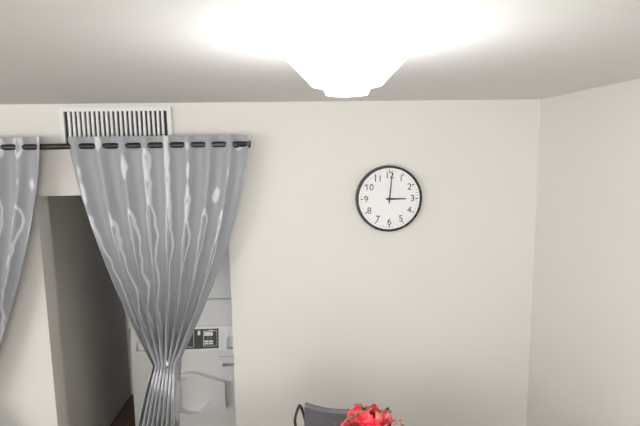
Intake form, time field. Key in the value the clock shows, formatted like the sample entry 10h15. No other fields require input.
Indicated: 3h01
